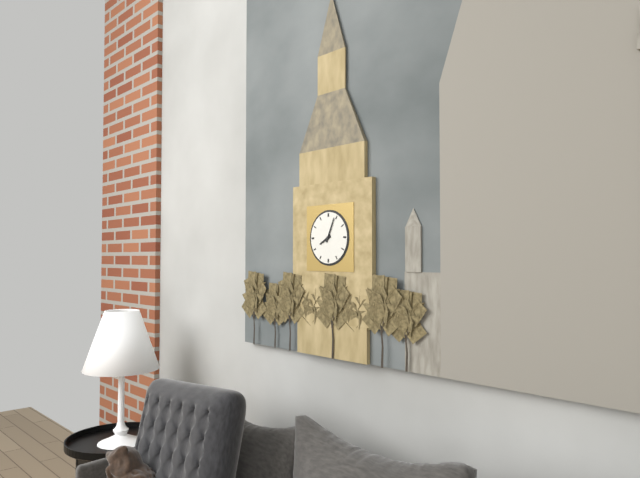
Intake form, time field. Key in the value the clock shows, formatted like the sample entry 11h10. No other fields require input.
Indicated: 8h04
